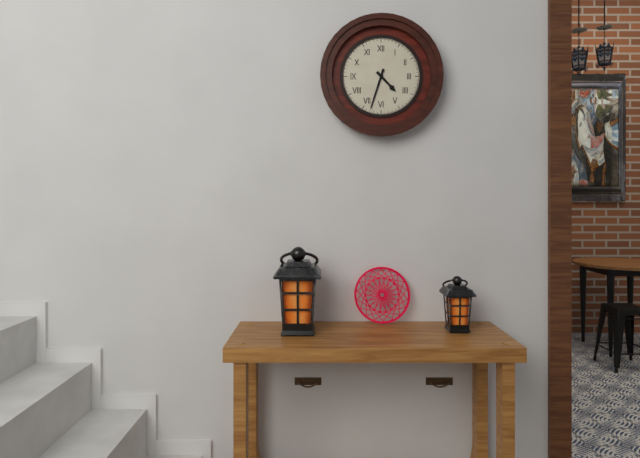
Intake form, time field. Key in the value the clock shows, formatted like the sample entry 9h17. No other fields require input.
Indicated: 4h33
